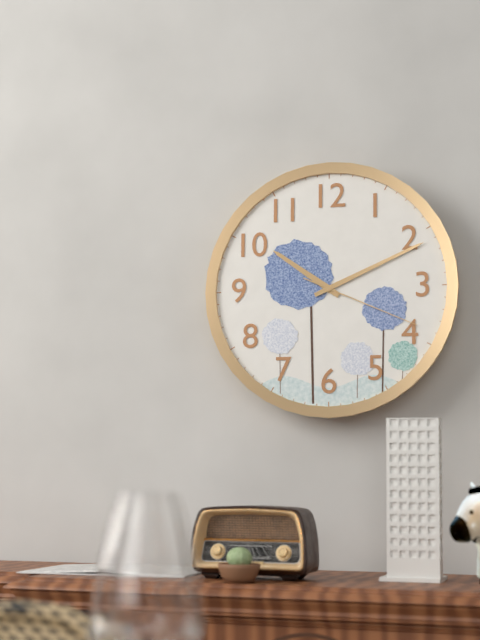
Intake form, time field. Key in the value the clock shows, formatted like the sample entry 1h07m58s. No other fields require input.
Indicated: 10h11m19s
